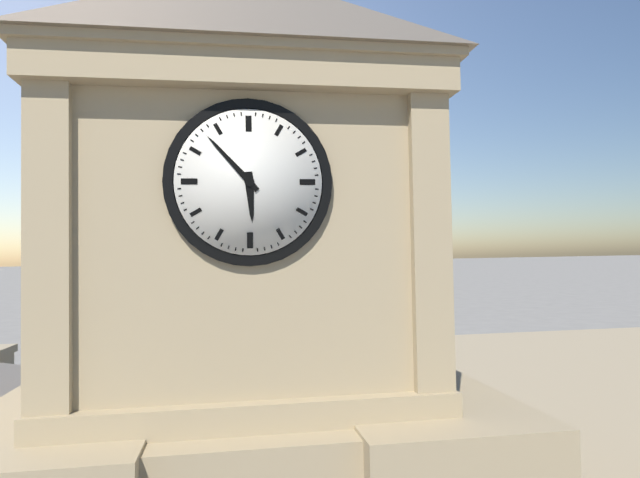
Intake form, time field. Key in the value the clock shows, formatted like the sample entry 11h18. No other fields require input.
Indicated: 5h53
